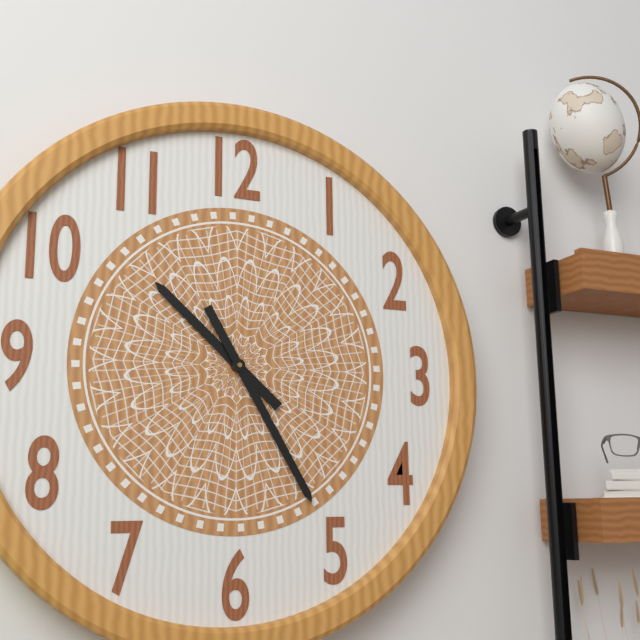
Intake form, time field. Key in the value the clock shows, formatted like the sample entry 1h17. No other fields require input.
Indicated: 10h25
